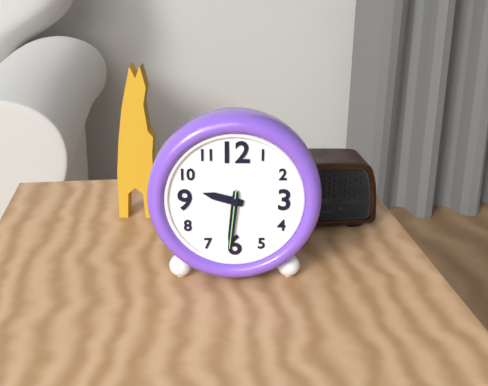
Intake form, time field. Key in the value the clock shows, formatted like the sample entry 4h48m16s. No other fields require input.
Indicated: 9h31m31s
